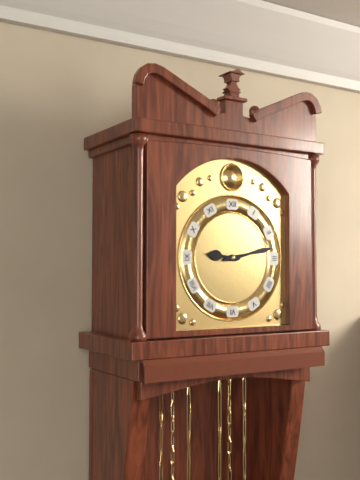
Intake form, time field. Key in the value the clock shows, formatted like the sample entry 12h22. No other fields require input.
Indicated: 9h13
